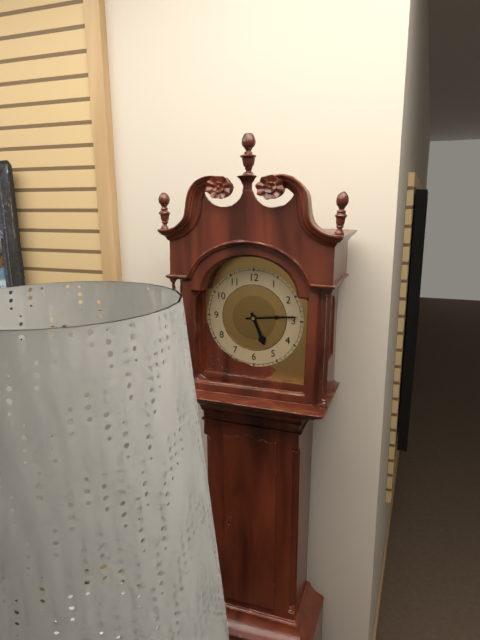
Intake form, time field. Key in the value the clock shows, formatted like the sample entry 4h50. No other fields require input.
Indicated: 5h14
